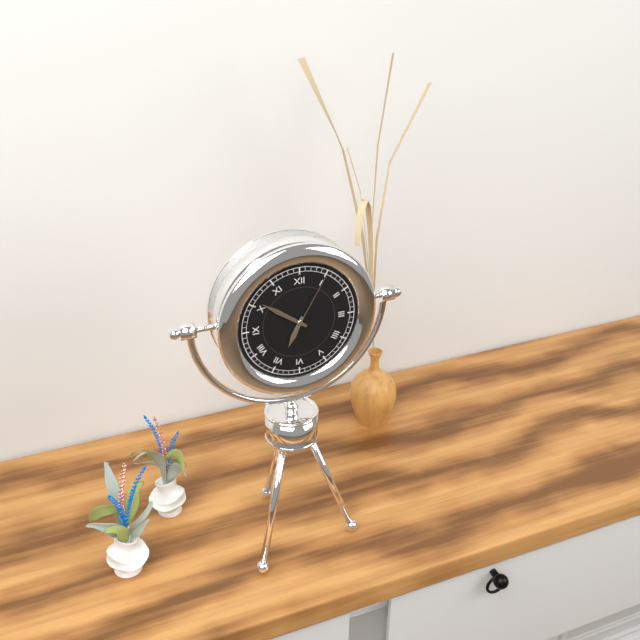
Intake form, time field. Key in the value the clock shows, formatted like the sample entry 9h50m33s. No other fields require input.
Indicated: 6h51m05s
